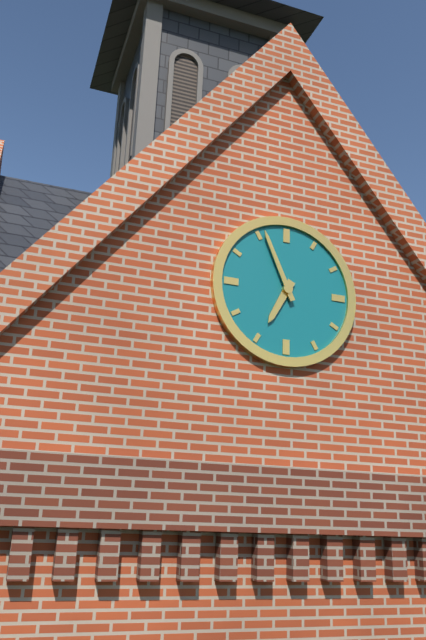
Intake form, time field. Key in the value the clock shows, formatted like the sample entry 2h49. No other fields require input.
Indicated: 6h56
